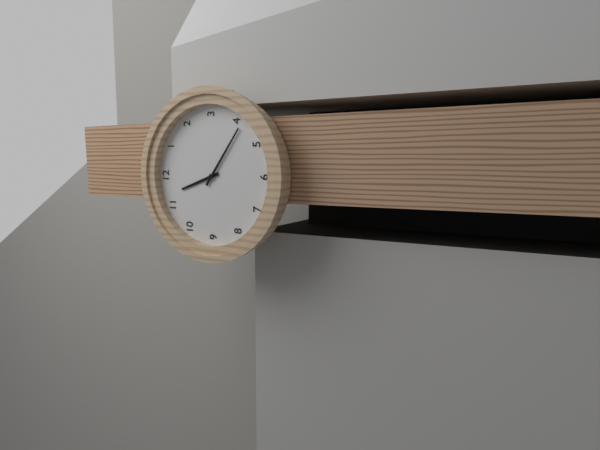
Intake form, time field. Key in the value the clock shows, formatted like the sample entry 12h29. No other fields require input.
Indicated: 11h21
